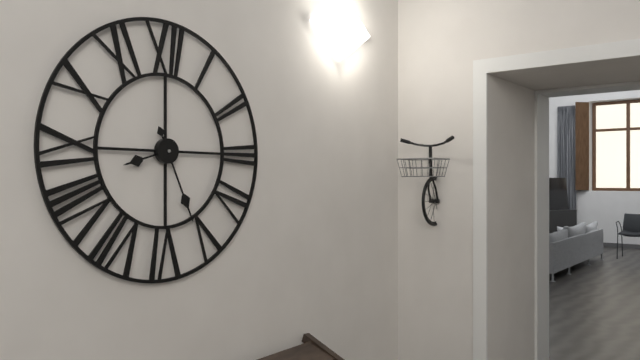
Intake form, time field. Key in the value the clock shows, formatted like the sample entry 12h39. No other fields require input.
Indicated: 8h26
